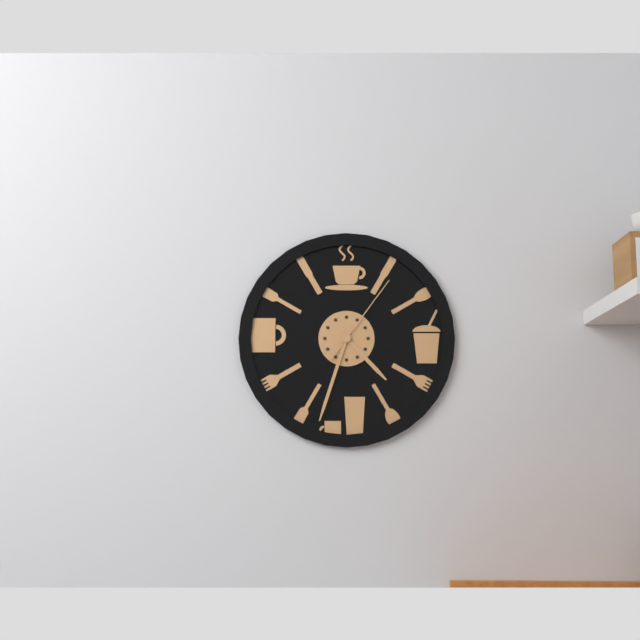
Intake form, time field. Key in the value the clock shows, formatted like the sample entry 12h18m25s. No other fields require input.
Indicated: 4h33m06s
